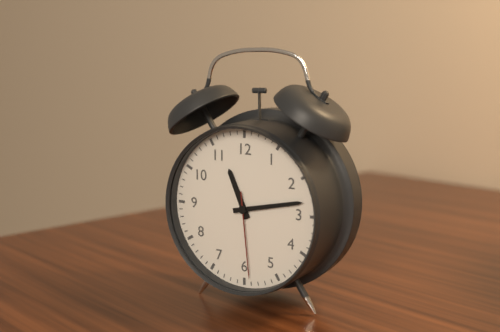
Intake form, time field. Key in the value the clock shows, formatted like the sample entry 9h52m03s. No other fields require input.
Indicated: 11h13m29s
